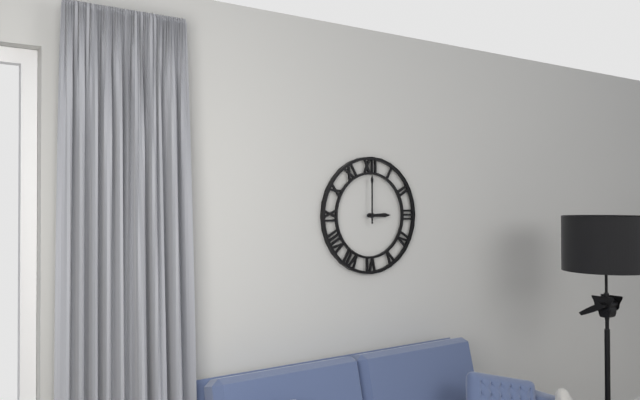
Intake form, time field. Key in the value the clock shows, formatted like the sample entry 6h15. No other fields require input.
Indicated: 3h00
